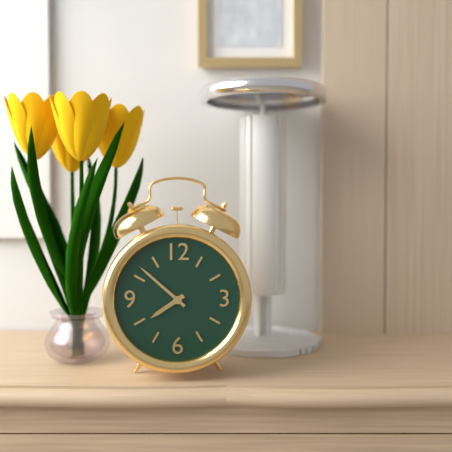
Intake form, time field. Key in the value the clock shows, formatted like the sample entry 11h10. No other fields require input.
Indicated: 7h52
